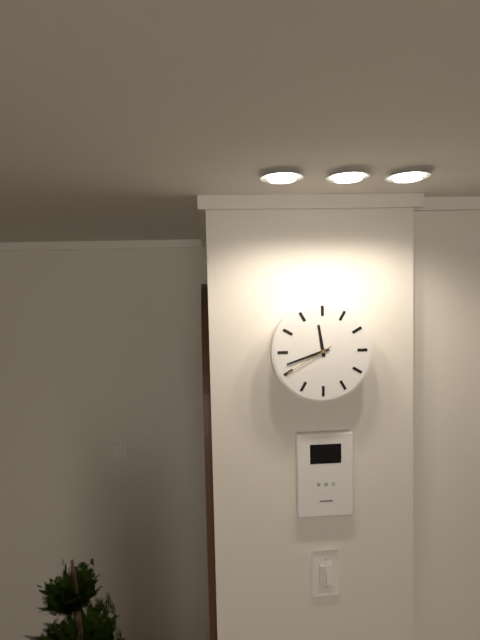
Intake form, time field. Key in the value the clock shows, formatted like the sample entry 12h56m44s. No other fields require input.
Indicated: 11h42m40s
